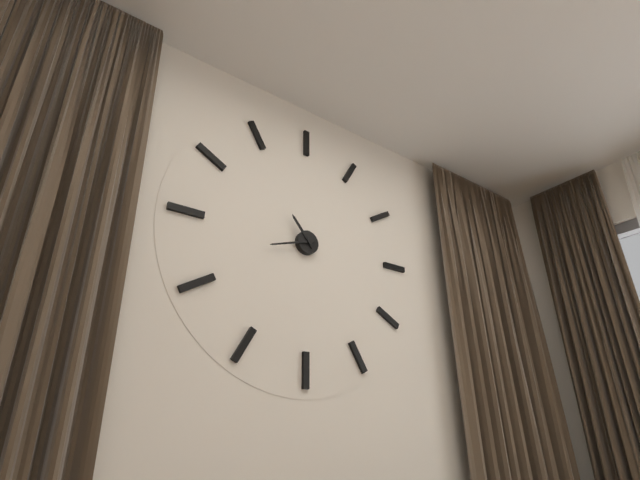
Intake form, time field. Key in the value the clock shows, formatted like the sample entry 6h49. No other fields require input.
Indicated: 10h42
